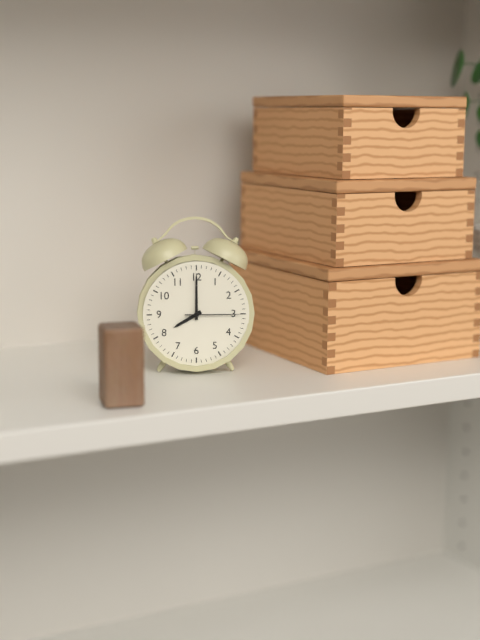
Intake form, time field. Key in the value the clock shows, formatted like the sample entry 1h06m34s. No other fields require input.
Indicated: 8h00m15s
